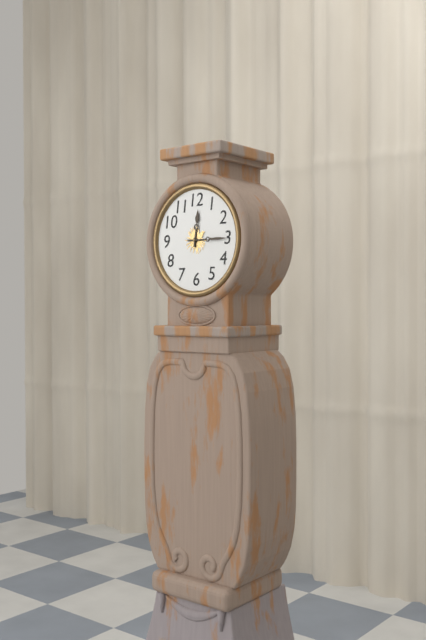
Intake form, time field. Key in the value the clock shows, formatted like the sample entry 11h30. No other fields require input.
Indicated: 12h15
